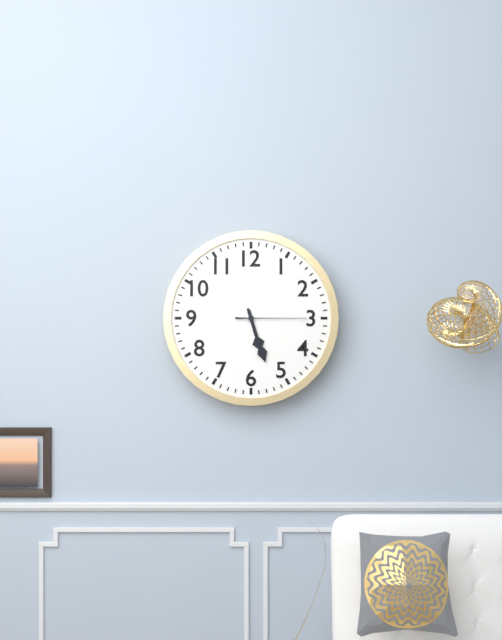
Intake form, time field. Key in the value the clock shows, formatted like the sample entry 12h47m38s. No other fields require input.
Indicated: 5h27m15s
